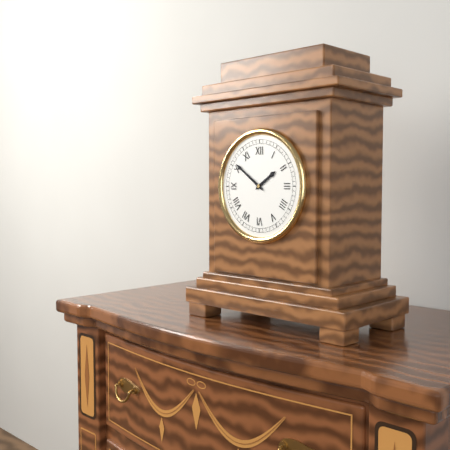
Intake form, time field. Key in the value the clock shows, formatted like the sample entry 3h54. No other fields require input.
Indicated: 1h51
